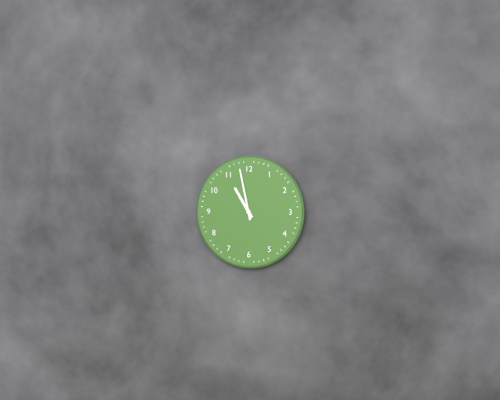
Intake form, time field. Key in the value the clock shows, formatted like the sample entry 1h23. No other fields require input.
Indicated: 10h58
